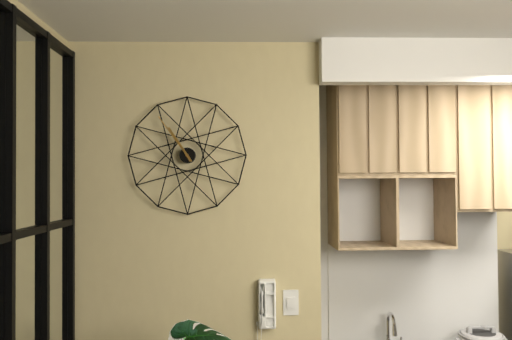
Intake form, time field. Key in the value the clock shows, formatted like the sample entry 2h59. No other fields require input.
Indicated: 10h54
